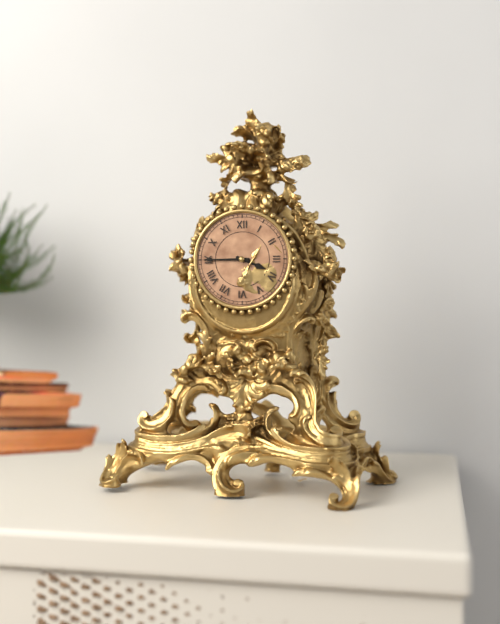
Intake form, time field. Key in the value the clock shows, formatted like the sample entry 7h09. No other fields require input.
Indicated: 3h45
